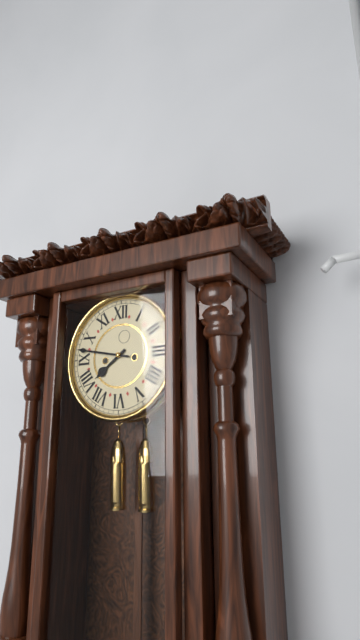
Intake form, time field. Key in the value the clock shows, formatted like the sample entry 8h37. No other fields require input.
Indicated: 7h47
